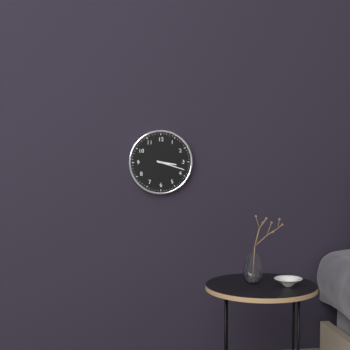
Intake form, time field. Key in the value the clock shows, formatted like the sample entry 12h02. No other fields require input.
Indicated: 3h18
